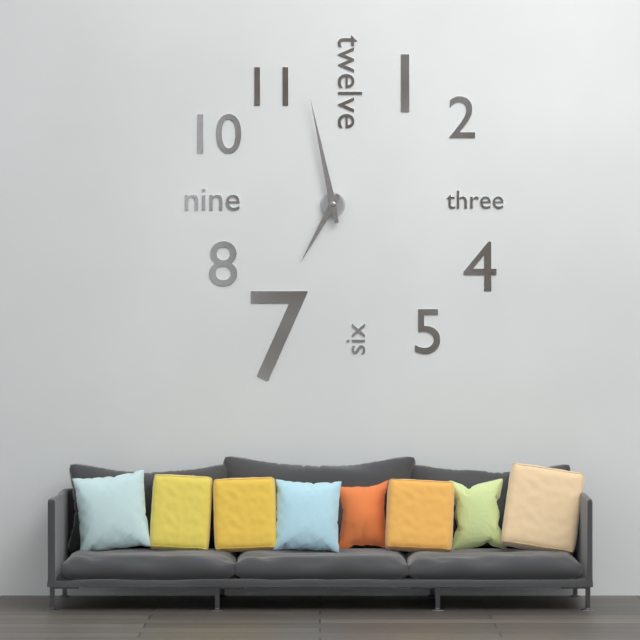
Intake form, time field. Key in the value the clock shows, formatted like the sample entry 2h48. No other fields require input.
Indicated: 6h58
